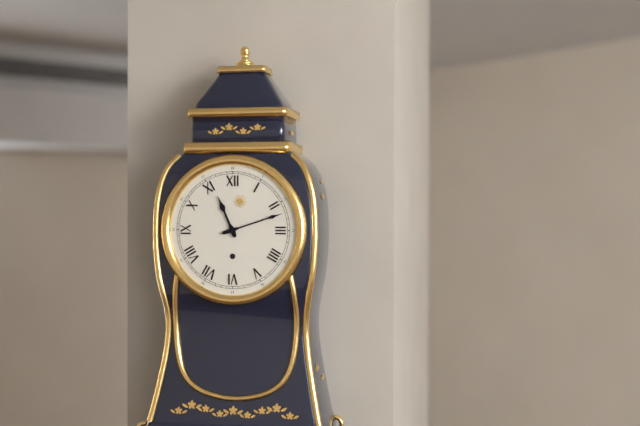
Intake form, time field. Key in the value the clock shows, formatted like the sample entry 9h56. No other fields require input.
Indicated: 11h12
